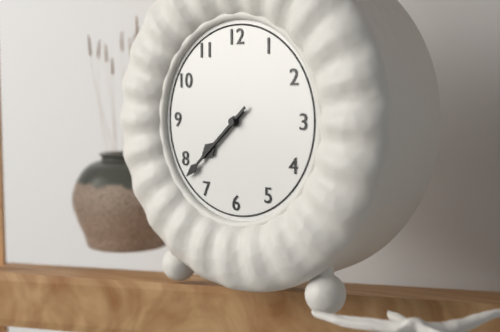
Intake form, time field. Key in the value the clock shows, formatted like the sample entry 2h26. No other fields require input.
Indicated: 7h38
